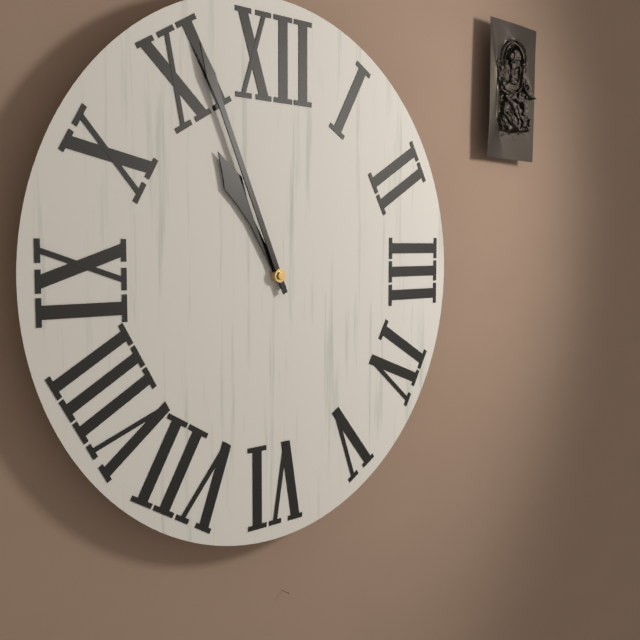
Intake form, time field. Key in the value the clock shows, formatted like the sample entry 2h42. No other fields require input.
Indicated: 10h56
